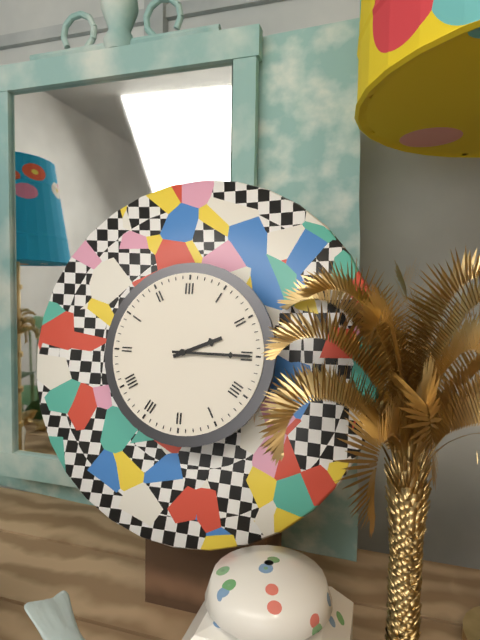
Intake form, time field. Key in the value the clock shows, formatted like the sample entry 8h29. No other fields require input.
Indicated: 2h15
